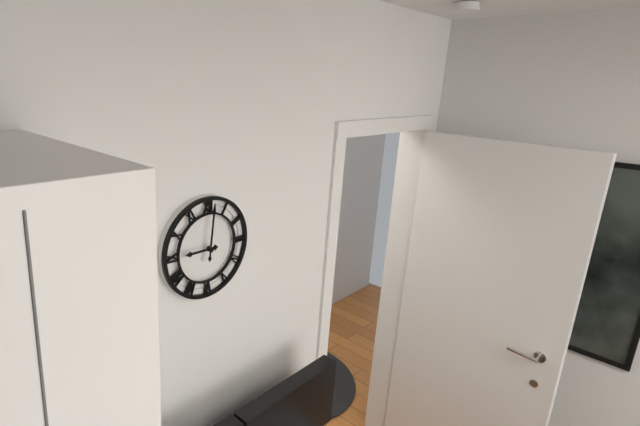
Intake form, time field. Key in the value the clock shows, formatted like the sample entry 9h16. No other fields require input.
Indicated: 9h01
